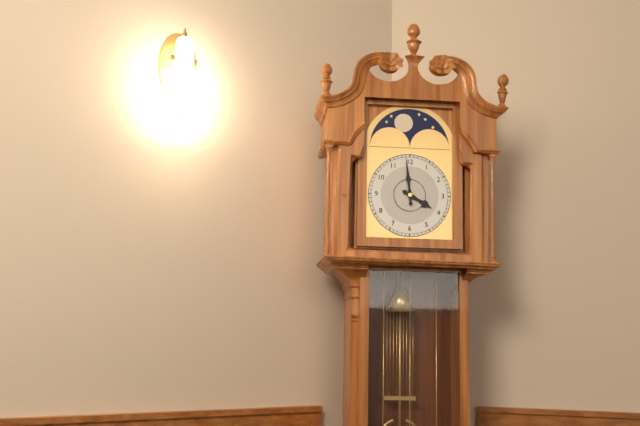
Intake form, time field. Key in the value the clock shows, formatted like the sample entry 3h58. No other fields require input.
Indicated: 3h59
